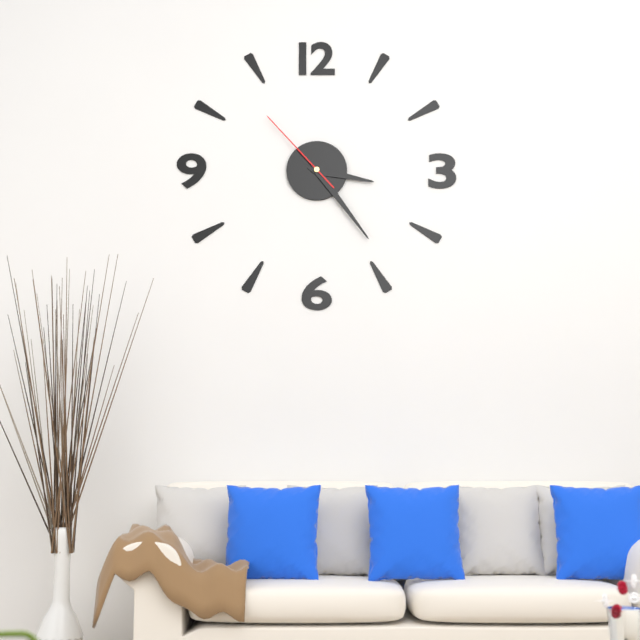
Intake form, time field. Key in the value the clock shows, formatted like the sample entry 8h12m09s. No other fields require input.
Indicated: 3h24m53s
